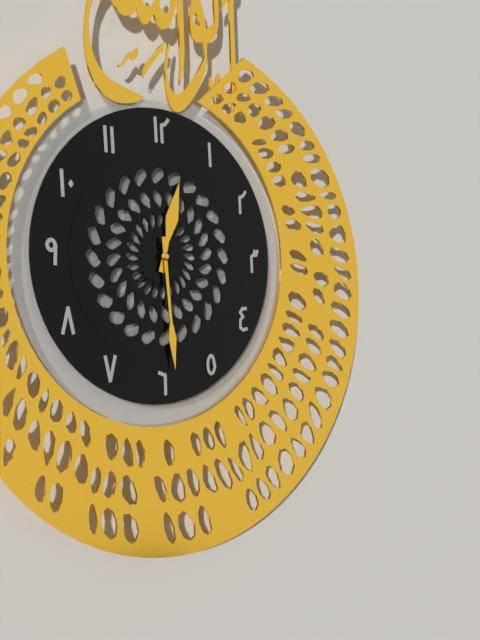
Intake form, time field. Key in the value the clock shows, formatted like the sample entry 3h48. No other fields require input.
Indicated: 12h29
